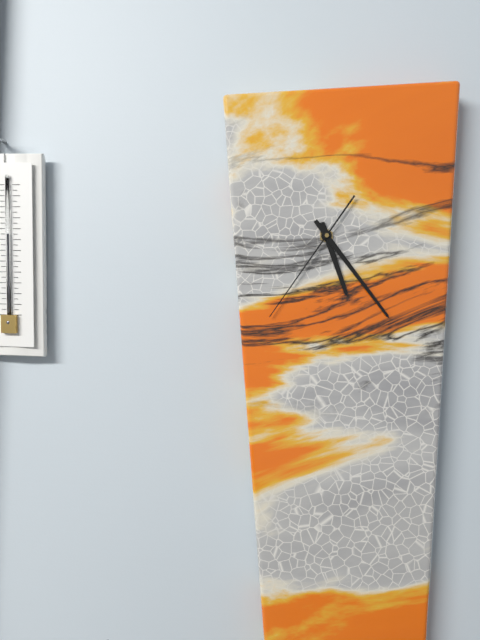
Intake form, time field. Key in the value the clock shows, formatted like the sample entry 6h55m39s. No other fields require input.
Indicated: 5h24m36s
